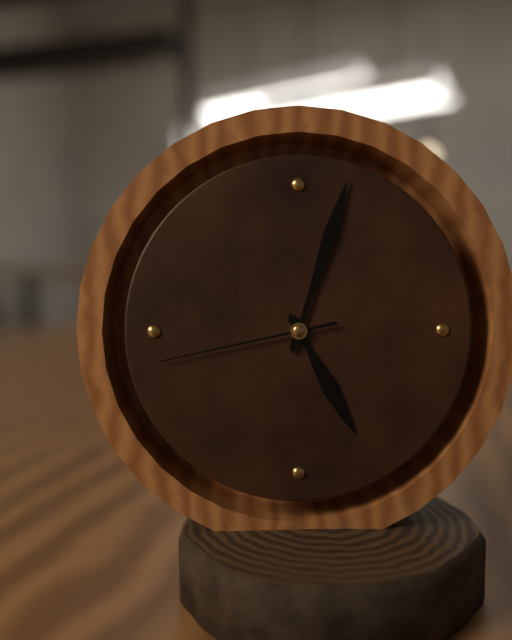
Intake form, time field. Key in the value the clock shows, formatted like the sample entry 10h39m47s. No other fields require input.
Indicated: 5h03m43s
